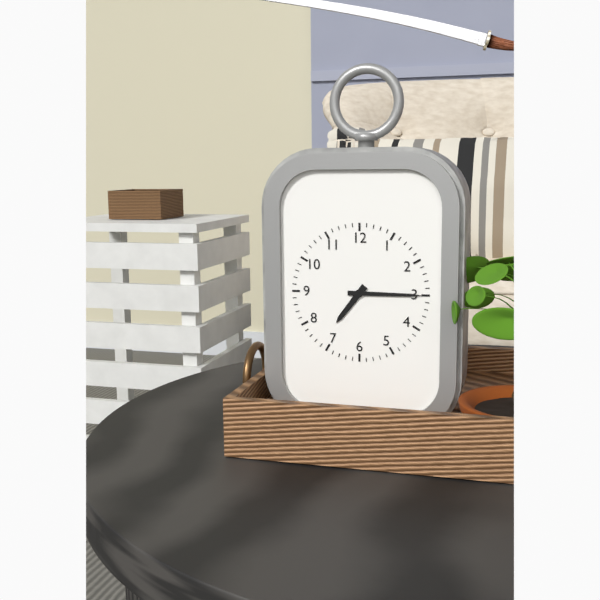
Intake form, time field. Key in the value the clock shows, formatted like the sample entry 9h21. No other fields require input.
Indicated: 7h15
